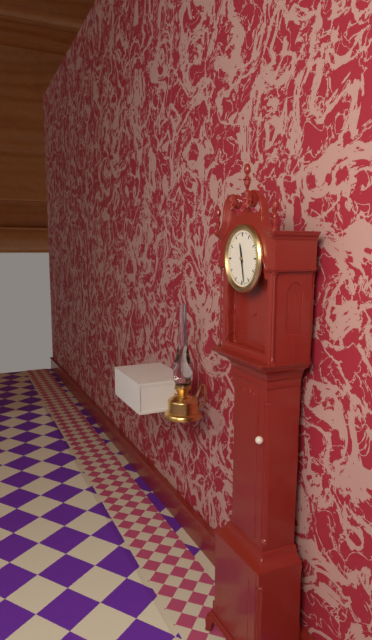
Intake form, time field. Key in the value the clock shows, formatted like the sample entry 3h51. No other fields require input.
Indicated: 11h28
